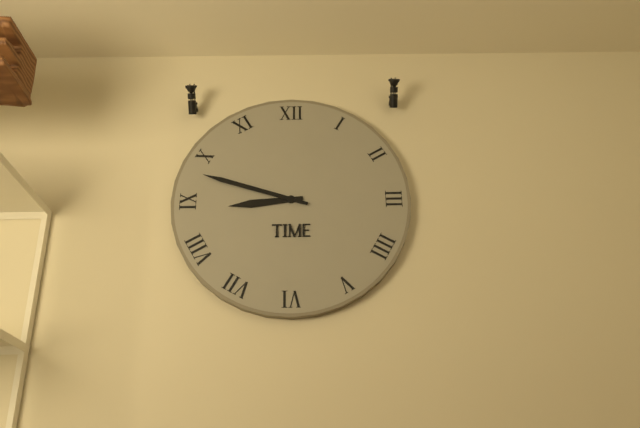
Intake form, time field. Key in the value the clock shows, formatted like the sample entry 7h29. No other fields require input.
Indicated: 8h48
